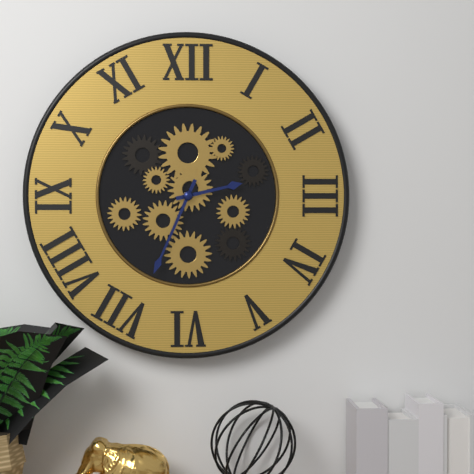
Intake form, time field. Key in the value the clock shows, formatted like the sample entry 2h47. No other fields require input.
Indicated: 2h34
